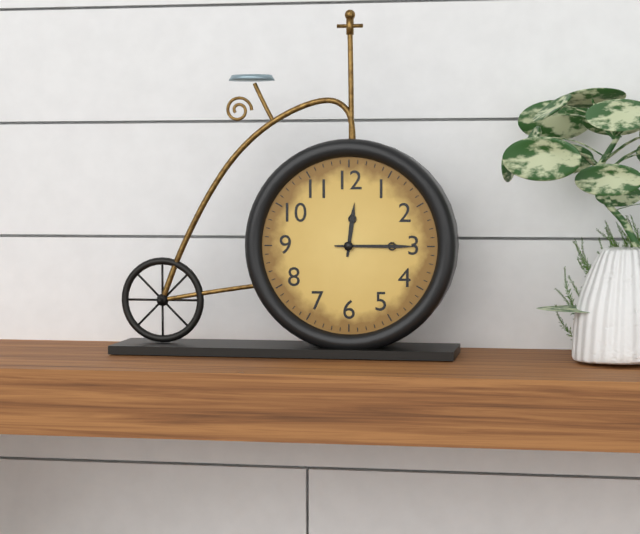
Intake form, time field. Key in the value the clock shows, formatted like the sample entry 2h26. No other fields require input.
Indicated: 12h15
